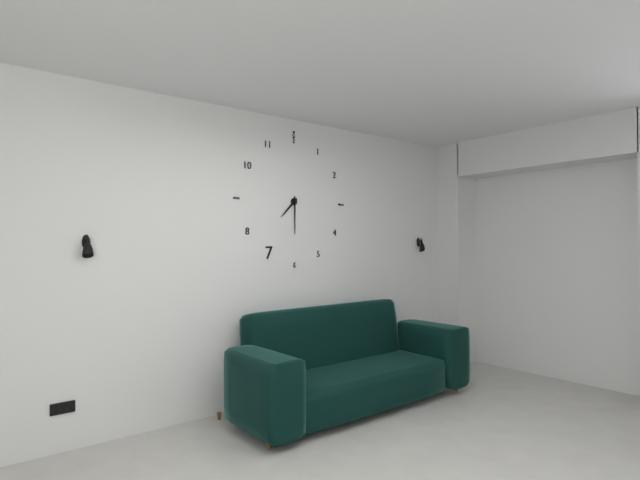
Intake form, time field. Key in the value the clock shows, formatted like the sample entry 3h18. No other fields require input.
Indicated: 7h30
